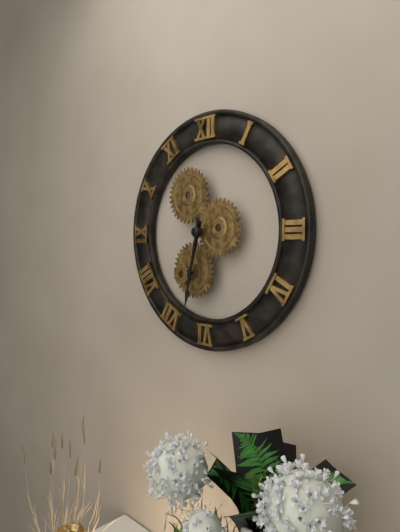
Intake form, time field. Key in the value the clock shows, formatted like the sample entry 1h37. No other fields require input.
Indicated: 6h32
